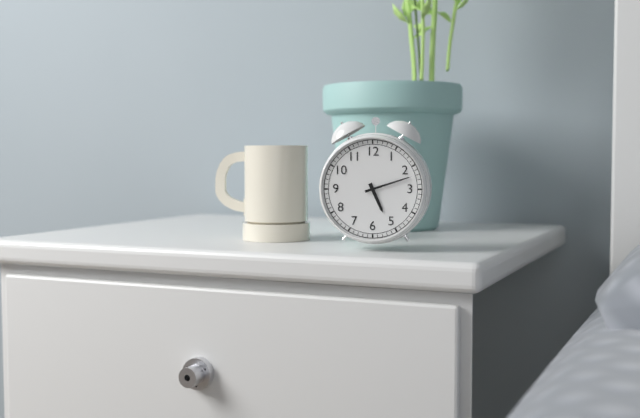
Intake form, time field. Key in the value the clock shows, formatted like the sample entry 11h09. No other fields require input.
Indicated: 5h12
